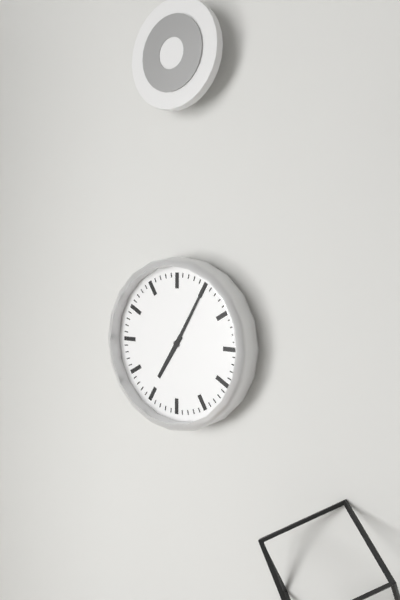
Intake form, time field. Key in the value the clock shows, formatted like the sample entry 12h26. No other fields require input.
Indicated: 7h05
